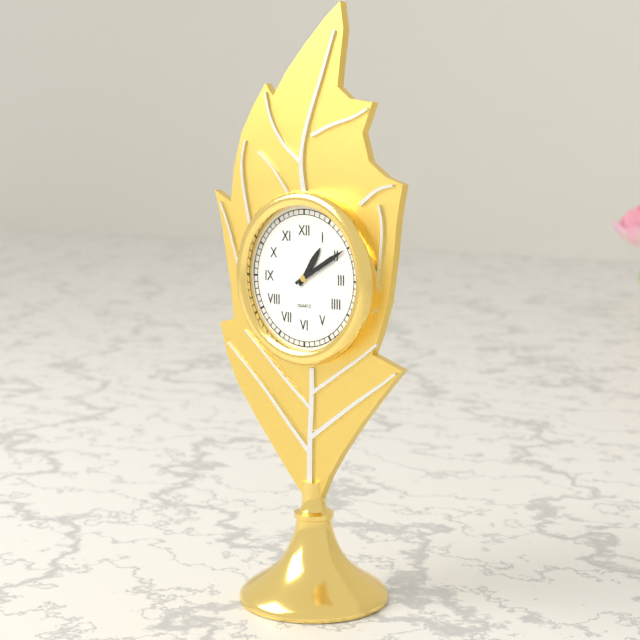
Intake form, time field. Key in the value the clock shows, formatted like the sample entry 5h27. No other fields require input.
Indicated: 1h10
